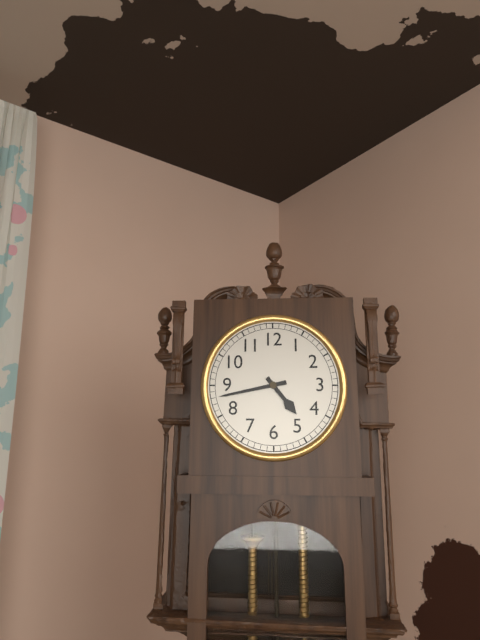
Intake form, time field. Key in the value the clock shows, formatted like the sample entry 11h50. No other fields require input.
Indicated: 4h43
